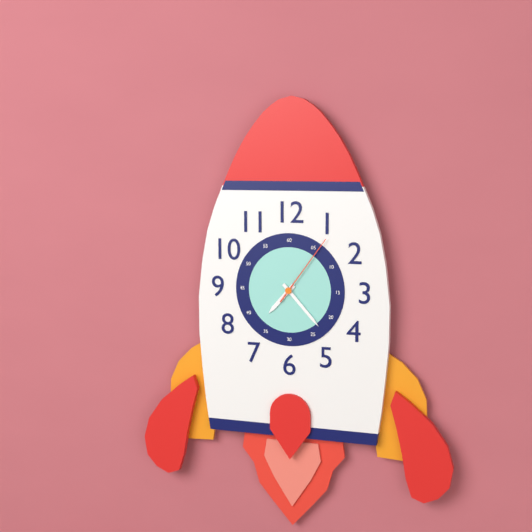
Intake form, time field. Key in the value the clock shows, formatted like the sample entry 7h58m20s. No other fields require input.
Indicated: 7h23m06s
